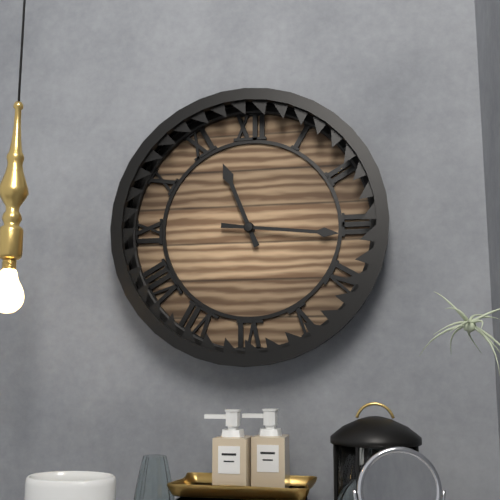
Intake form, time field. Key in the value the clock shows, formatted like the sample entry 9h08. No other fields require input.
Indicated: 11h16
